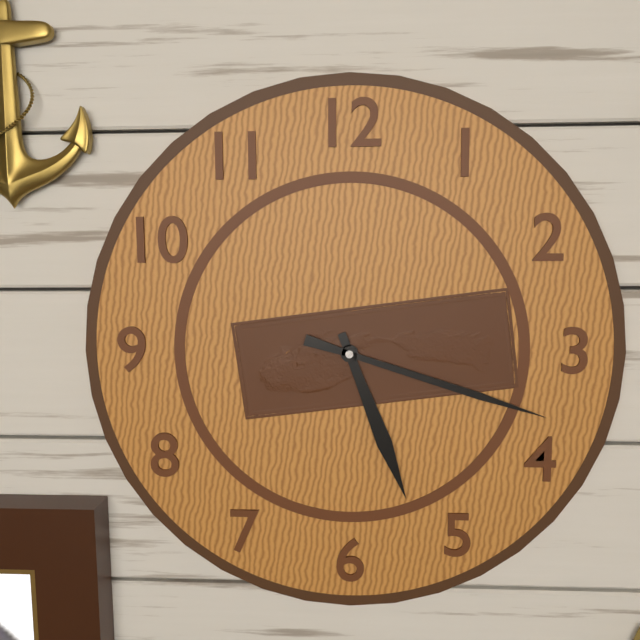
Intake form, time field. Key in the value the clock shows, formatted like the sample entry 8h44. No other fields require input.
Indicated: 5h18
